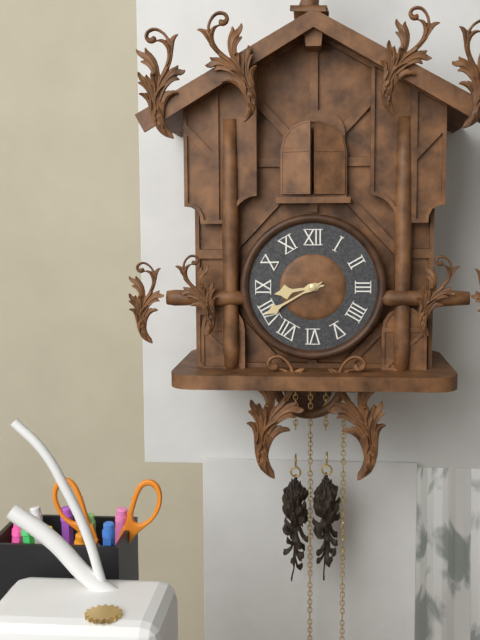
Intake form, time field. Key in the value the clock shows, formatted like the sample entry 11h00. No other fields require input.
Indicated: 8h40
